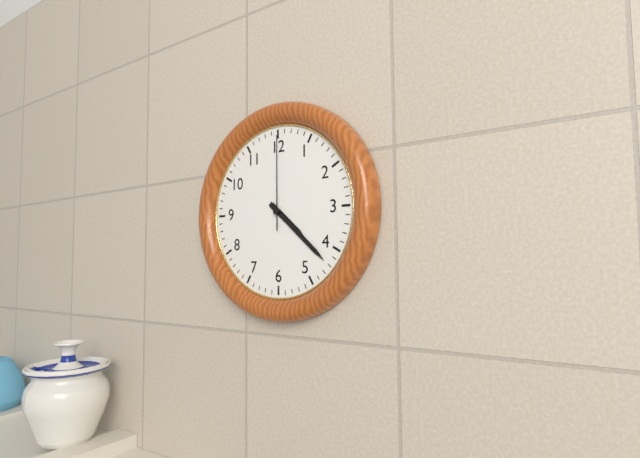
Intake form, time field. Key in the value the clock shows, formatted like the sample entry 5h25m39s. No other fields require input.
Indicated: 4h22m00s
